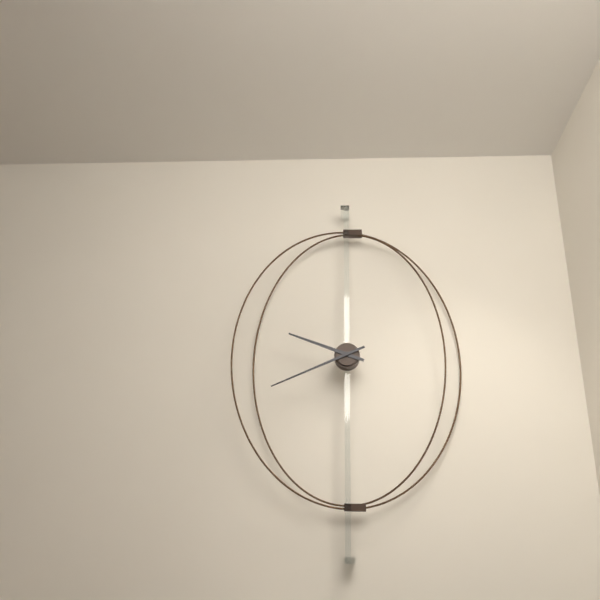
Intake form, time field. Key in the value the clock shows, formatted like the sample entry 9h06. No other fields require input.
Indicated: 9h41
